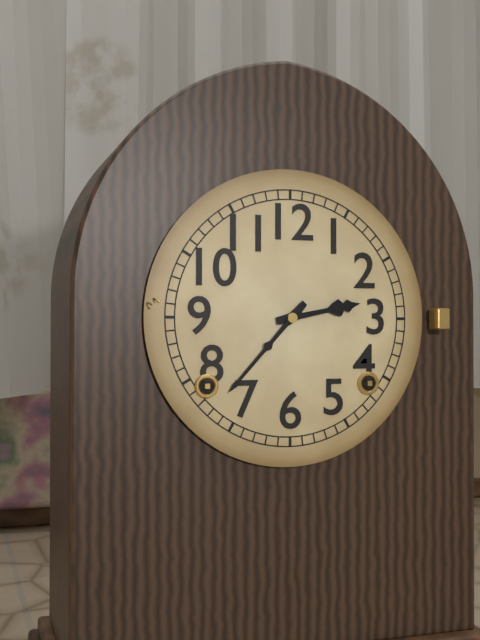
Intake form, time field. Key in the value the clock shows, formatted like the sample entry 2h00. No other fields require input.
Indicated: 2h37
